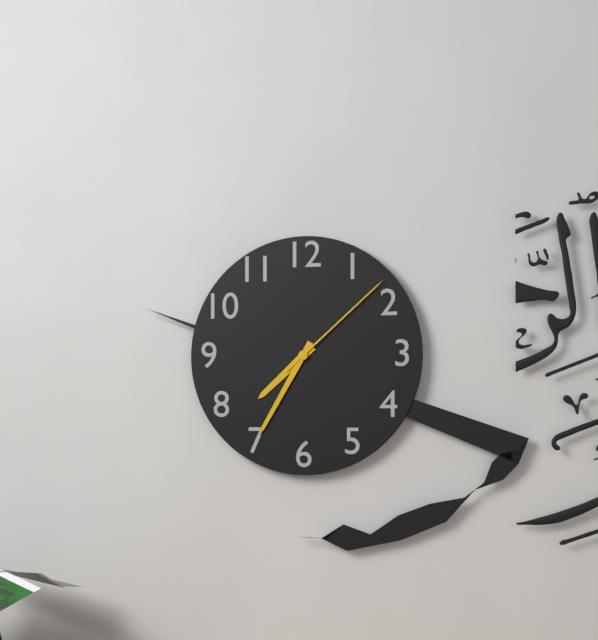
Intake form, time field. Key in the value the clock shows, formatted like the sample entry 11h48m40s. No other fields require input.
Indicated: 7h35m08s
